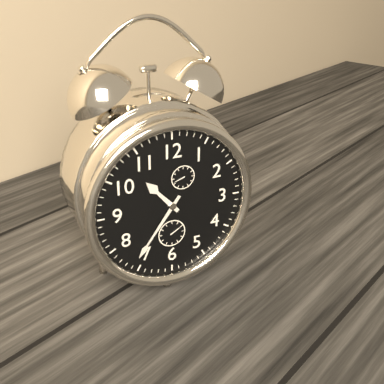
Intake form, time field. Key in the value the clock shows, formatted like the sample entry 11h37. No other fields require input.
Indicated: 10h36
